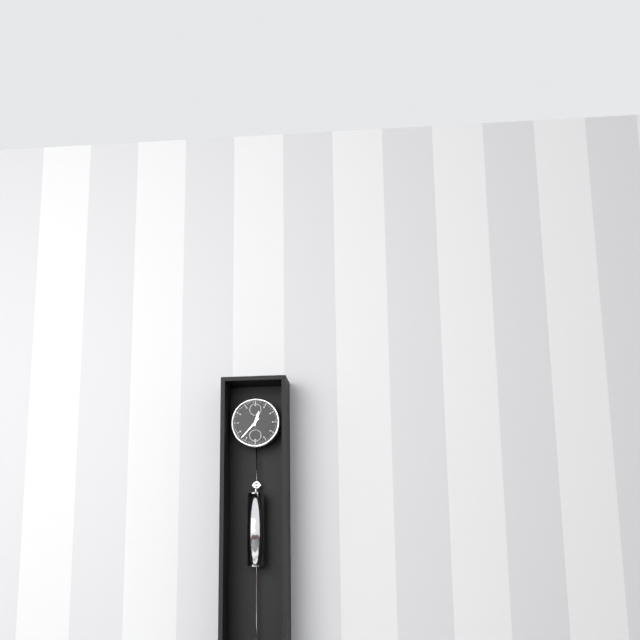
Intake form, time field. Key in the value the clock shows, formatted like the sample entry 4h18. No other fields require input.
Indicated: 12h37
